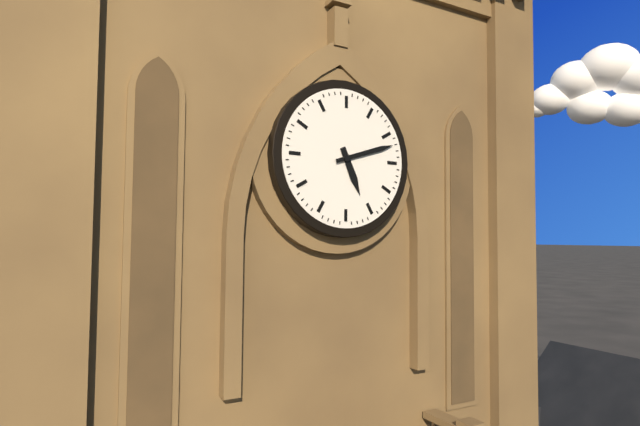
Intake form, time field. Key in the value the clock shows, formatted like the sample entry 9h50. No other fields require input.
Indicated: 5h12
